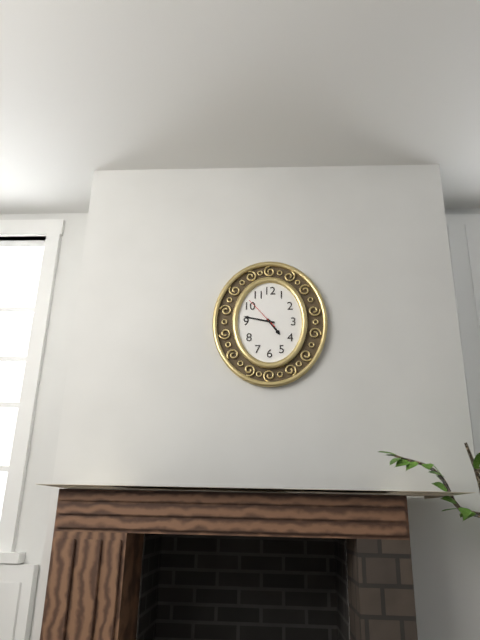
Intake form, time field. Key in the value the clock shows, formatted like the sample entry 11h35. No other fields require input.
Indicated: 4h47
